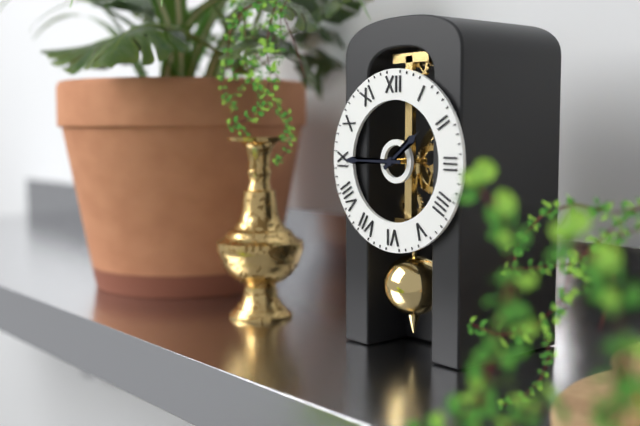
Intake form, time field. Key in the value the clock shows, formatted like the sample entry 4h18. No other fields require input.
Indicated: 1h45
